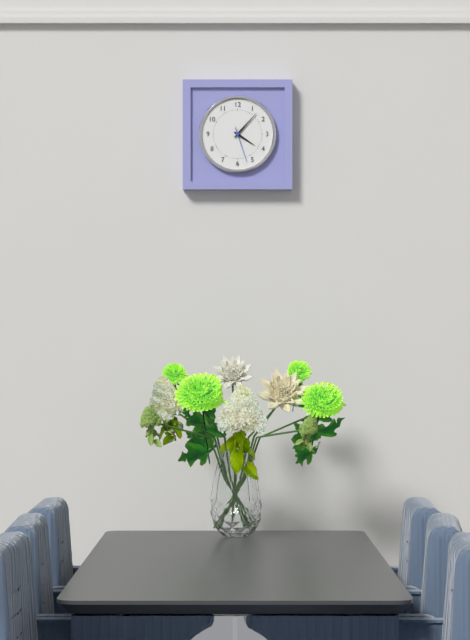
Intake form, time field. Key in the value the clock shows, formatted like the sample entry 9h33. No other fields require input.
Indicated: 4h07
